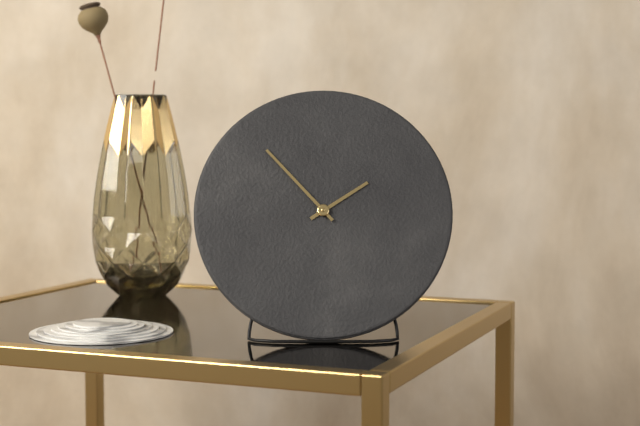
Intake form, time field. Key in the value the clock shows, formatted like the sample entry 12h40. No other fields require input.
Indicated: 1h53
